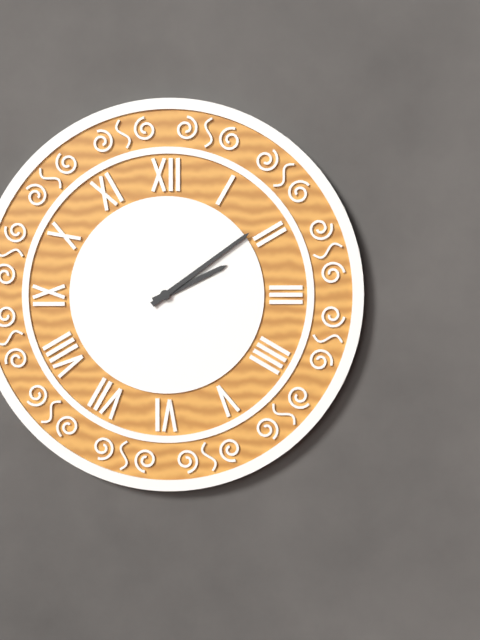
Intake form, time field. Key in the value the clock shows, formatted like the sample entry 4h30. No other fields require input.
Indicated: 2h09
